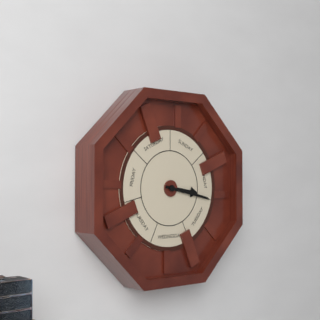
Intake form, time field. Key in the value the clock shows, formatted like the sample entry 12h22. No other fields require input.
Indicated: 3h17
